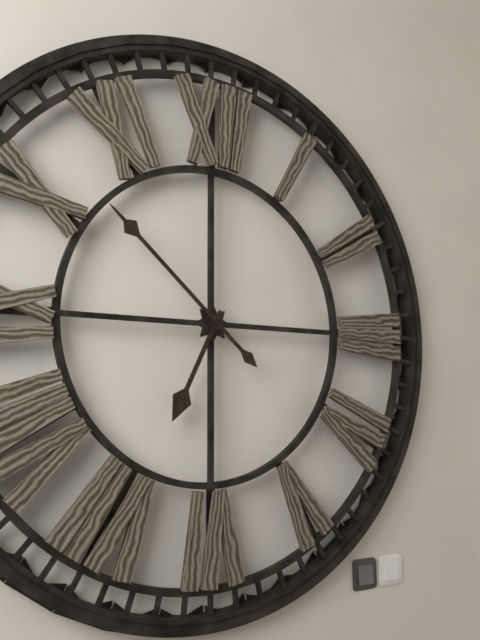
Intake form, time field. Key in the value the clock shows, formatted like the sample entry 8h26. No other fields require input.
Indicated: 6h52
